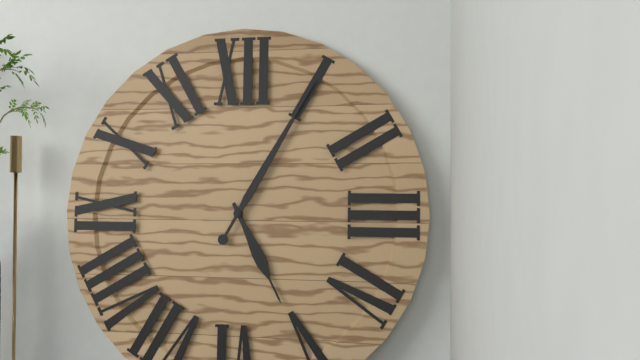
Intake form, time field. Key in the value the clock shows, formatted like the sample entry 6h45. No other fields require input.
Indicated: 5h05
